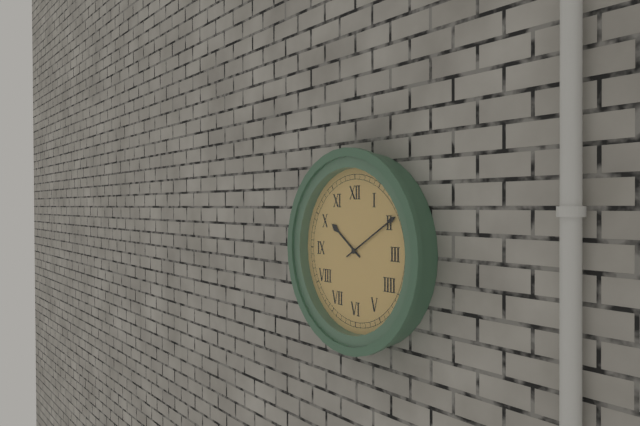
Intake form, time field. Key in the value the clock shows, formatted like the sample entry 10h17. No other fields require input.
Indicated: 10h10
